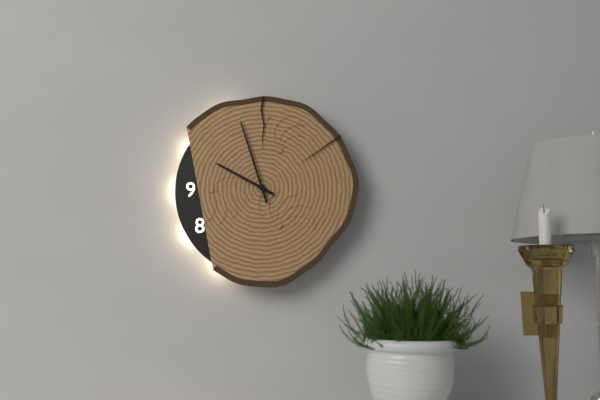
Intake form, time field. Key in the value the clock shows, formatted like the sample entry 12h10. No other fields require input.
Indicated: 9h57
